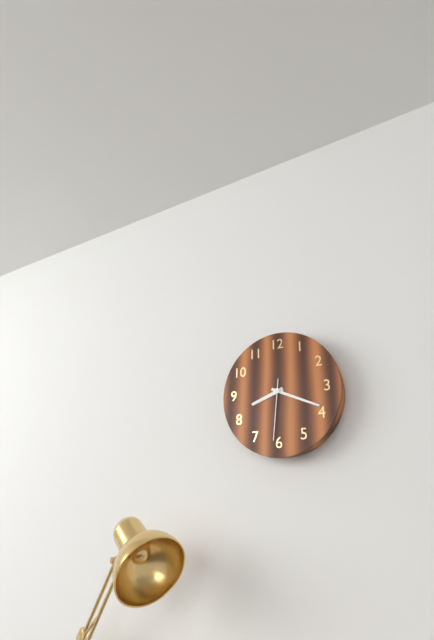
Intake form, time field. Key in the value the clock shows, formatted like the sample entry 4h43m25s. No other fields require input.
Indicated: 8h19m31s
